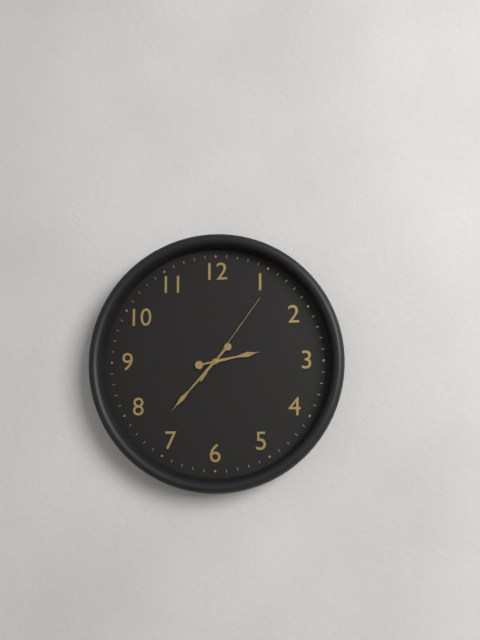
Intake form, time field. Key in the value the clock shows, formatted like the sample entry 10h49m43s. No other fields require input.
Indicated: 2h37m06s
